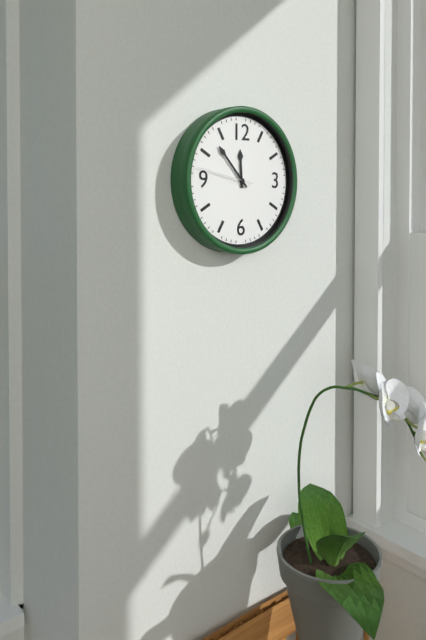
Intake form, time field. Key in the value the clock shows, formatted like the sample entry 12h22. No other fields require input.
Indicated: 11h53
